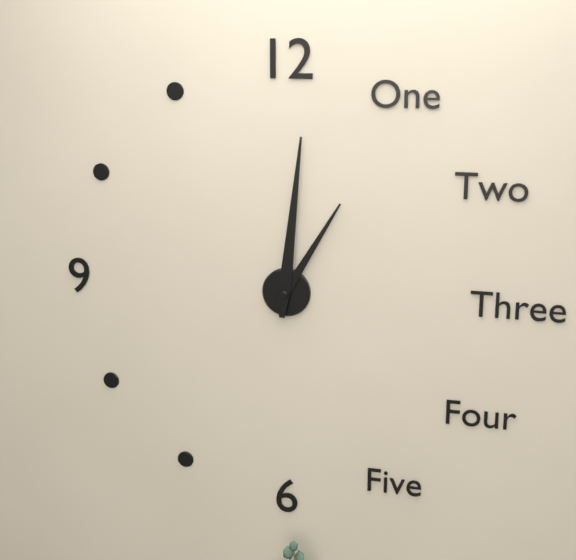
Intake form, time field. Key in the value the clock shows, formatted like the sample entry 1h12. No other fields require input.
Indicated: 1h01
